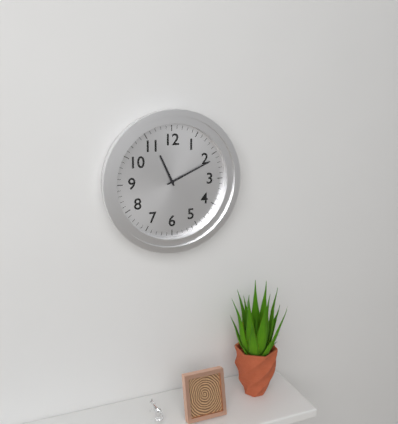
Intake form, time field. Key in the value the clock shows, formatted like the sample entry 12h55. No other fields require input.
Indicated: 11h11
